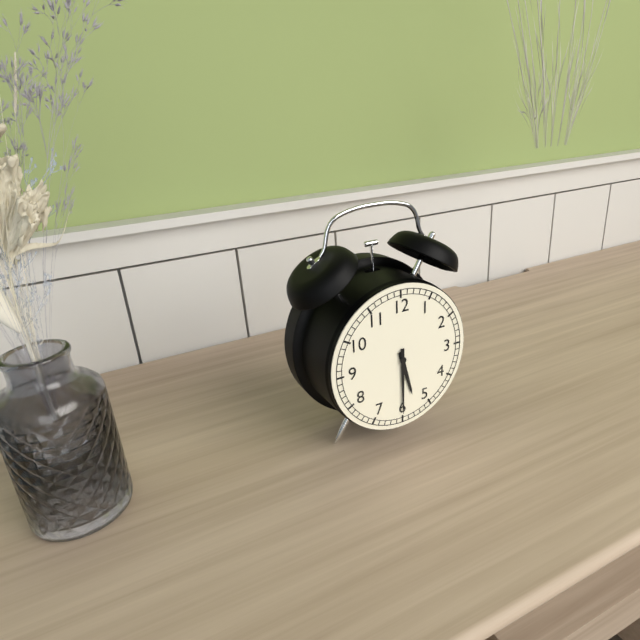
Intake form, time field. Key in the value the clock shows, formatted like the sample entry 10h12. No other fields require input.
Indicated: 5h30
